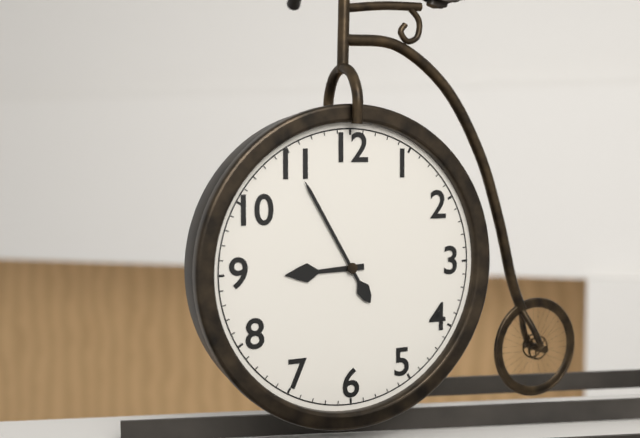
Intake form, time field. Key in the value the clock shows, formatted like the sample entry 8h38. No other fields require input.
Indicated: 8h55
